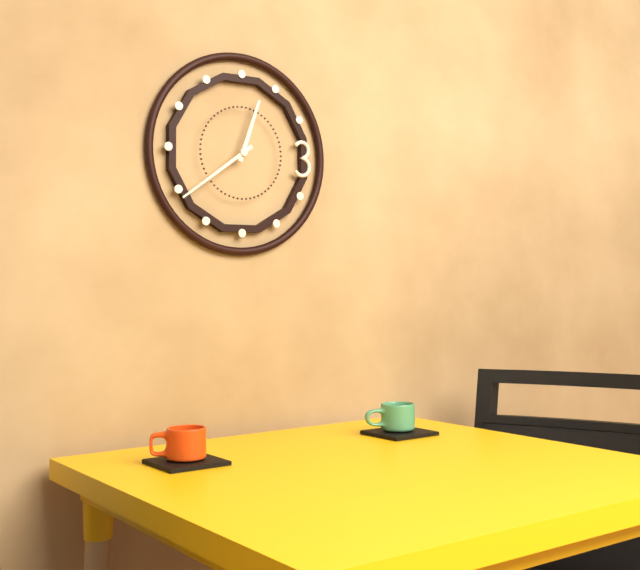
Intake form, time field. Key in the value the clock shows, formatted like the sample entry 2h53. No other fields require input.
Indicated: 12h39
